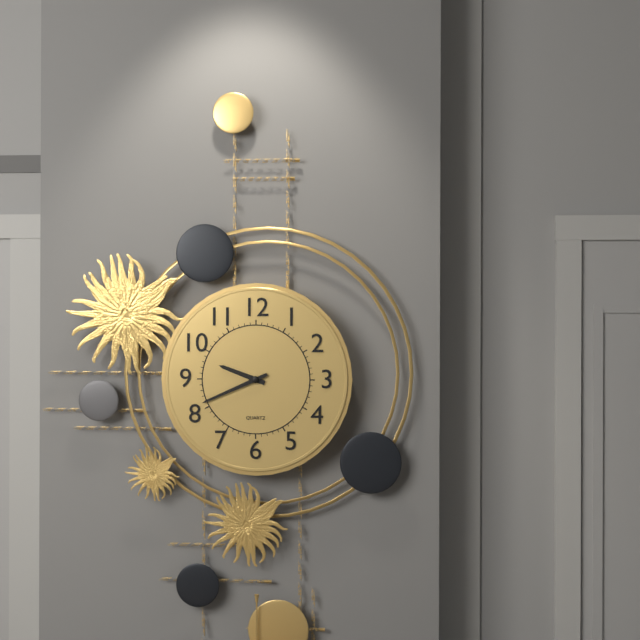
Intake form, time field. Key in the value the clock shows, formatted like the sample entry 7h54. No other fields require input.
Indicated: 9h41
